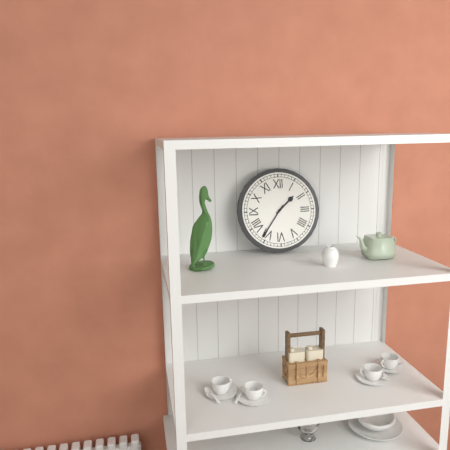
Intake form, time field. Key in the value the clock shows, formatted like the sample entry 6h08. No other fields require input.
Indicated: 1h36
